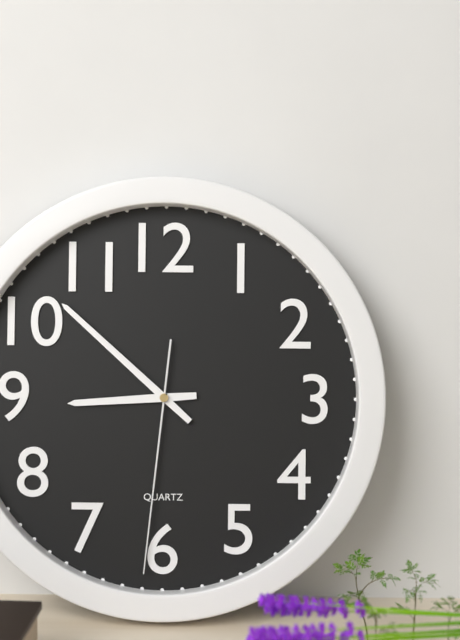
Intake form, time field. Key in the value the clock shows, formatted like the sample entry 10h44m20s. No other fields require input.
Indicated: 8h52m31s
